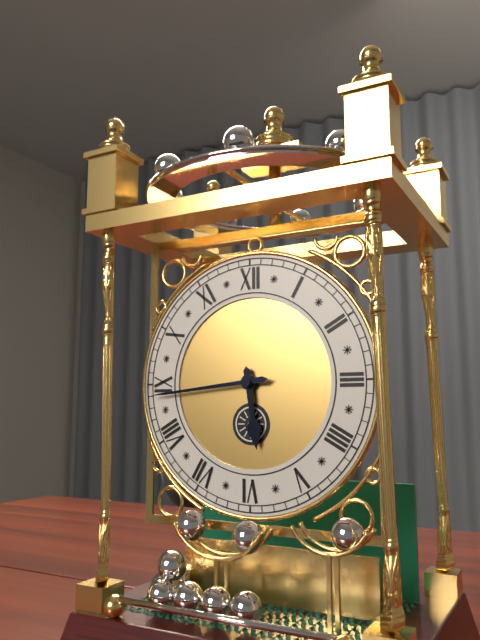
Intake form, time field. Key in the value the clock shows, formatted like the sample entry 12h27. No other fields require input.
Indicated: 5h44
